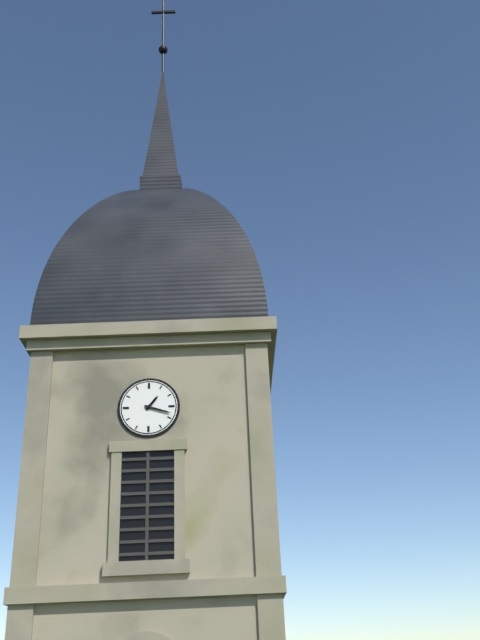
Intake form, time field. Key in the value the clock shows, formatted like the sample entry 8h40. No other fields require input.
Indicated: 1h18
